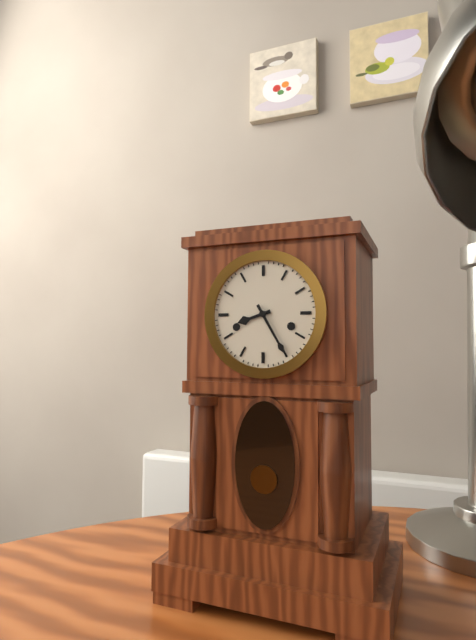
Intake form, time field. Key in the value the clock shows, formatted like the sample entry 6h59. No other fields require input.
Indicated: 8h25
